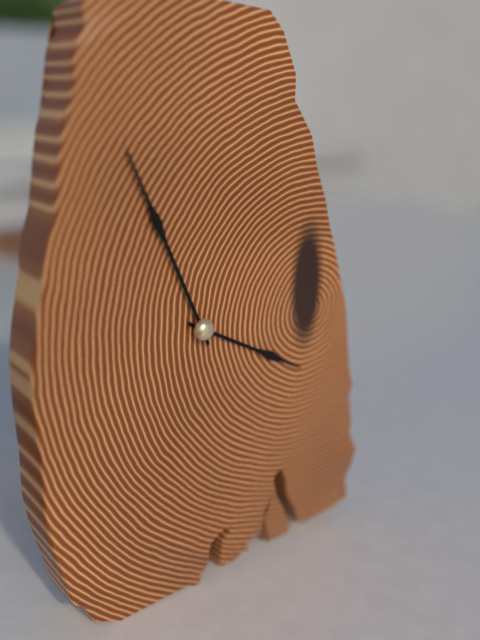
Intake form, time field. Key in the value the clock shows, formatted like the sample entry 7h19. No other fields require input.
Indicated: 3h56
